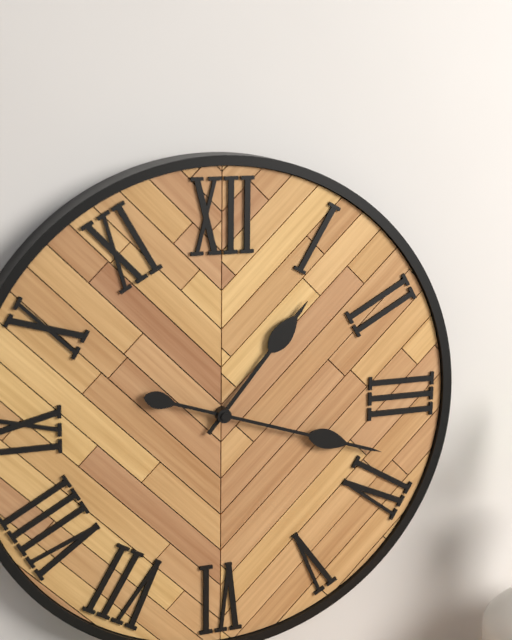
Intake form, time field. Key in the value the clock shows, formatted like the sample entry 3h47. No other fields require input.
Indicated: 1h18
